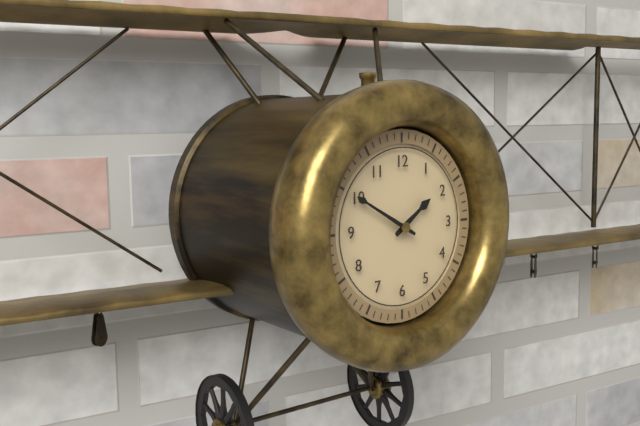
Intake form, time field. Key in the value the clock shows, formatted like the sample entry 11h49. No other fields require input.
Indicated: 1h50
